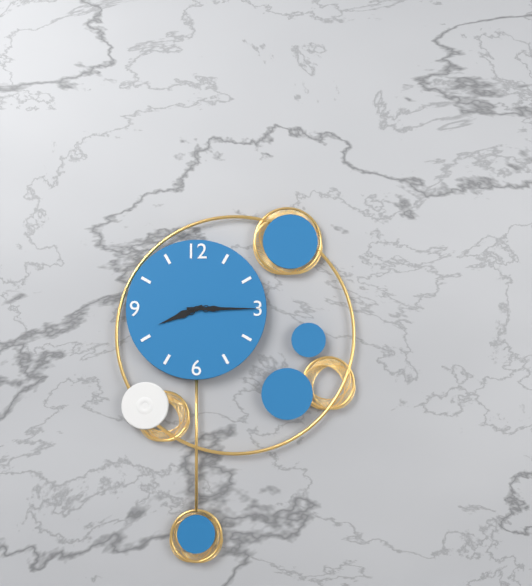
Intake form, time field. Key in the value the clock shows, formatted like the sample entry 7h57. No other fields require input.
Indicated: 8h15
